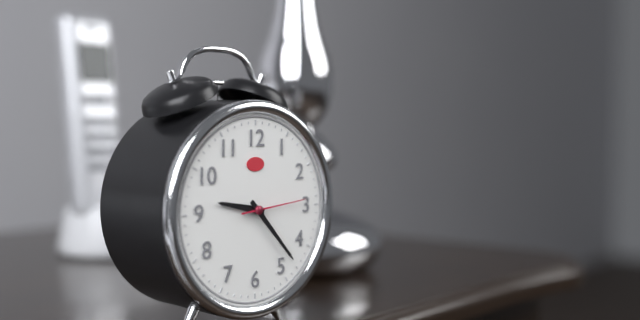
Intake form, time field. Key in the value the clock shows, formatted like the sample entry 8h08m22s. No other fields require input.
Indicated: 9h23m14s
